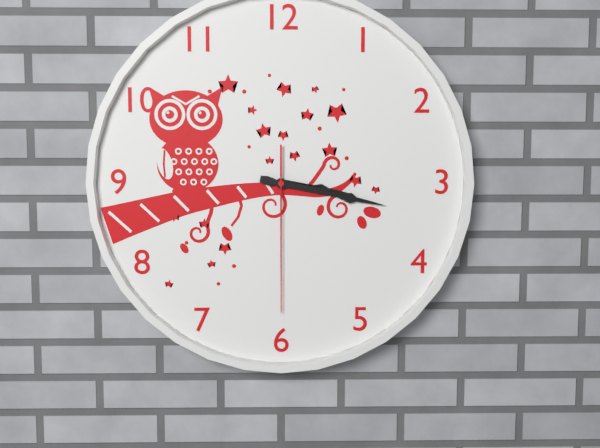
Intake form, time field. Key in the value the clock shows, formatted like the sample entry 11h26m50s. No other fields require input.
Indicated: 3h17m30s
